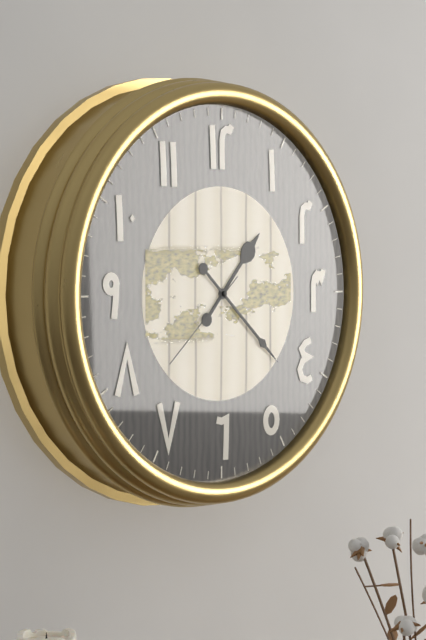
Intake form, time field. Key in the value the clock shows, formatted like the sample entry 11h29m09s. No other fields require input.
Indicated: 1h22m38s
